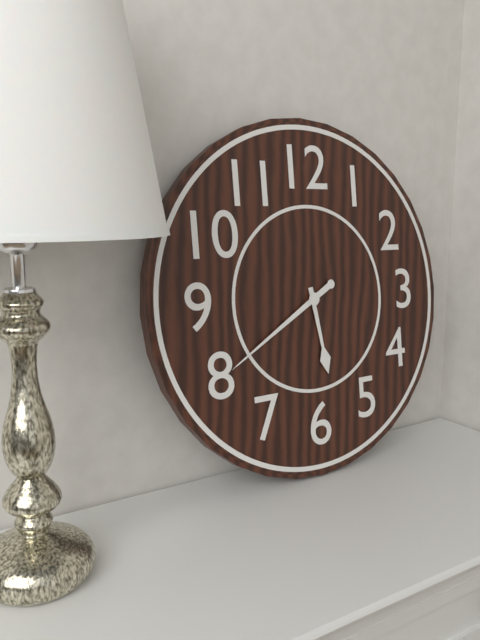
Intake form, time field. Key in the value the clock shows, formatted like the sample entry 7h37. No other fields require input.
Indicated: 5h40
